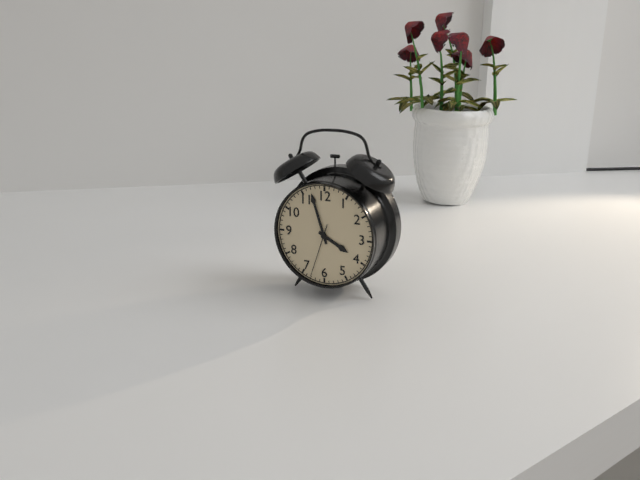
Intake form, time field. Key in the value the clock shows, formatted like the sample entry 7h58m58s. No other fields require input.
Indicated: 3h57m33s
